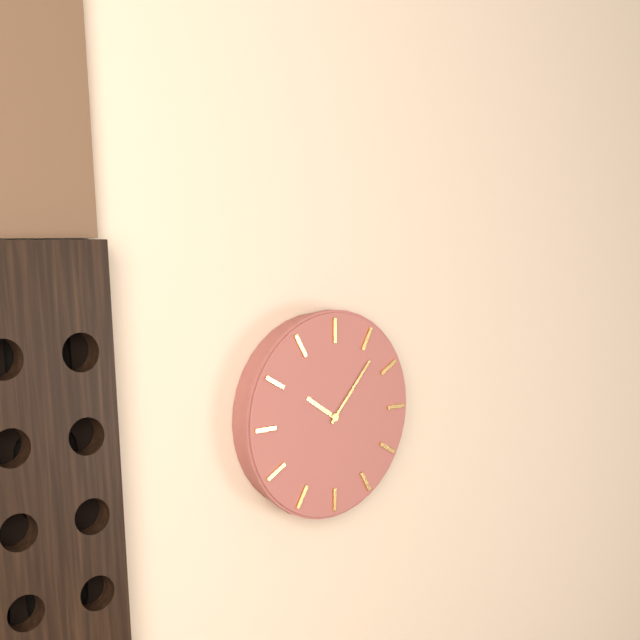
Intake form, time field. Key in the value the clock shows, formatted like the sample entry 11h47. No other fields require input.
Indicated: 10h07
